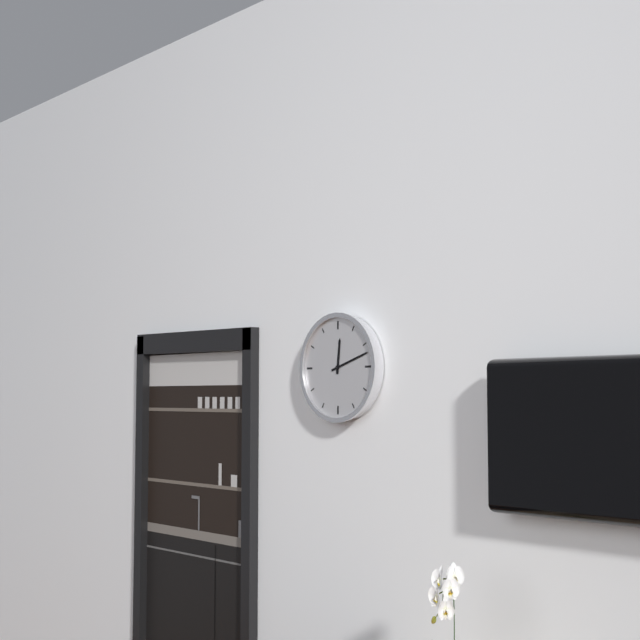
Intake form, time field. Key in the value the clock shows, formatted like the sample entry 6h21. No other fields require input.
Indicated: 12h12
